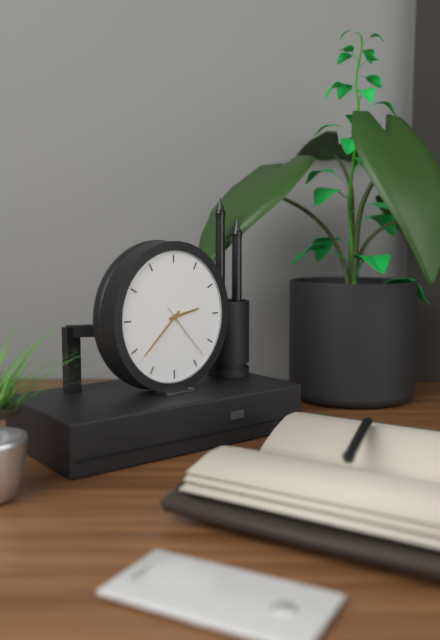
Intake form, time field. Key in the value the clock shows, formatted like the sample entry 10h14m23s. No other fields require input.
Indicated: 2h38m23s
